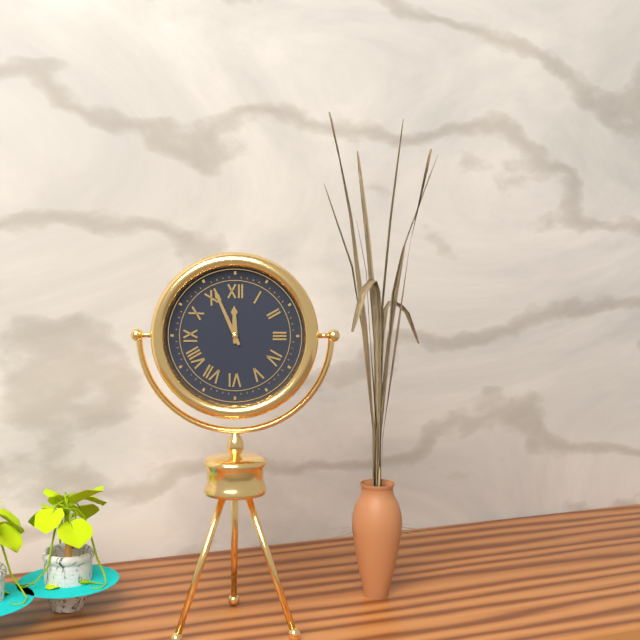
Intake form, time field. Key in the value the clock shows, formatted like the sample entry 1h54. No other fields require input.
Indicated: 11h56
